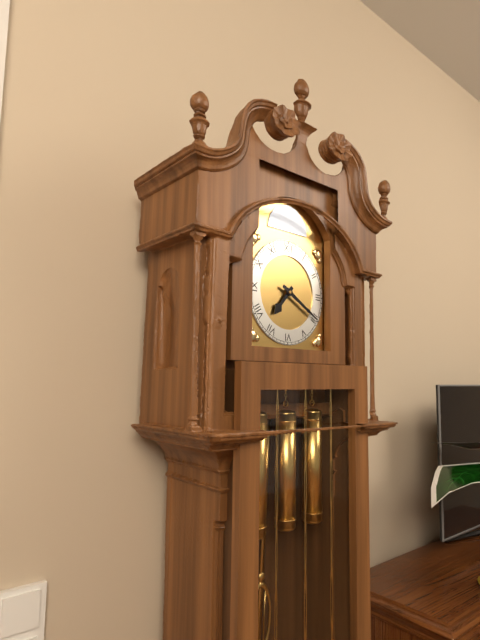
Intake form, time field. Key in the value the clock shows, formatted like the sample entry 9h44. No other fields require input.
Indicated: 7h20
